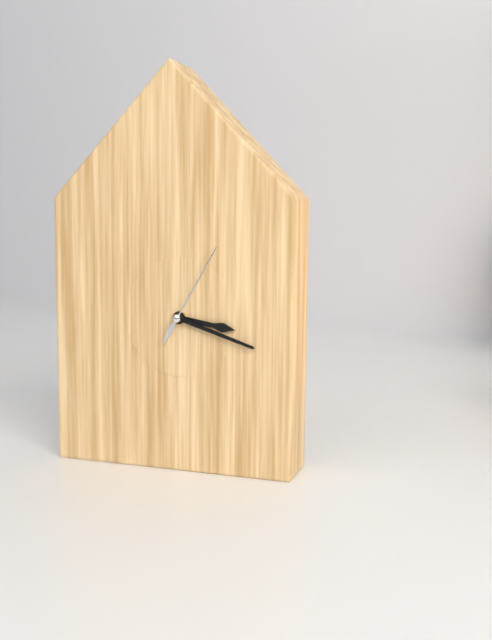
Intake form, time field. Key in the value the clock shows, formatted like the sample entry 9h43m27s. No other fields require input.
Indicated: 3h18m05s
